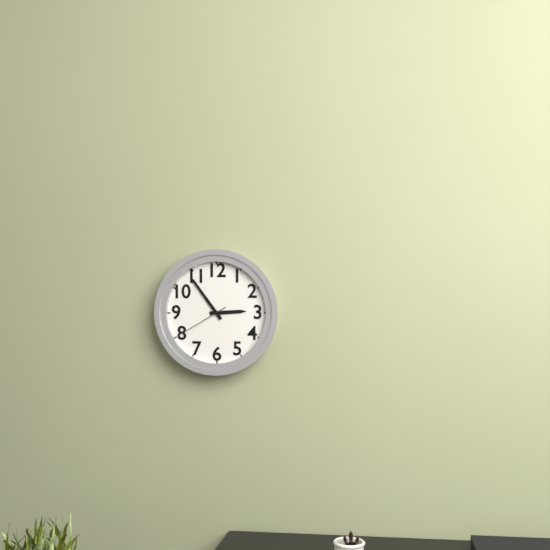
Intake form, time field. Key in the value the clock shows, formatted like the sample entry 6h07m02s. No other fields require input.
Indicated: 2h54m40s
